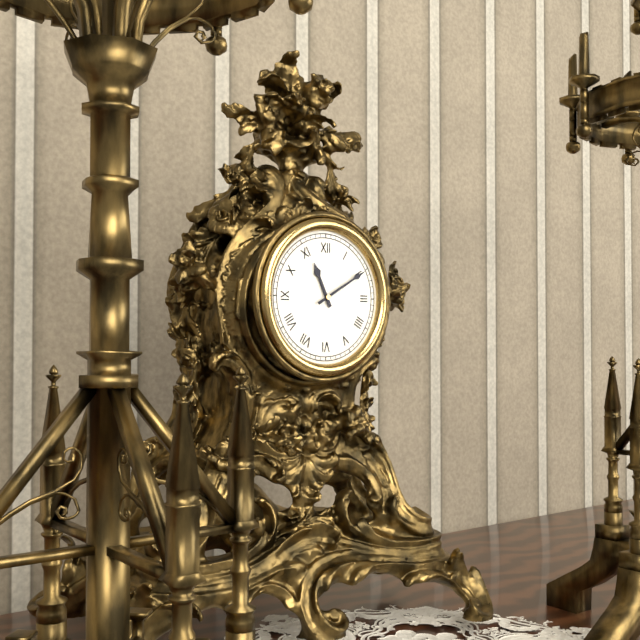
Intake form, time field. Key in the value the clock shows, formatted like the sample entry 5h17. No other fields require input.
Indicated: 11h10
